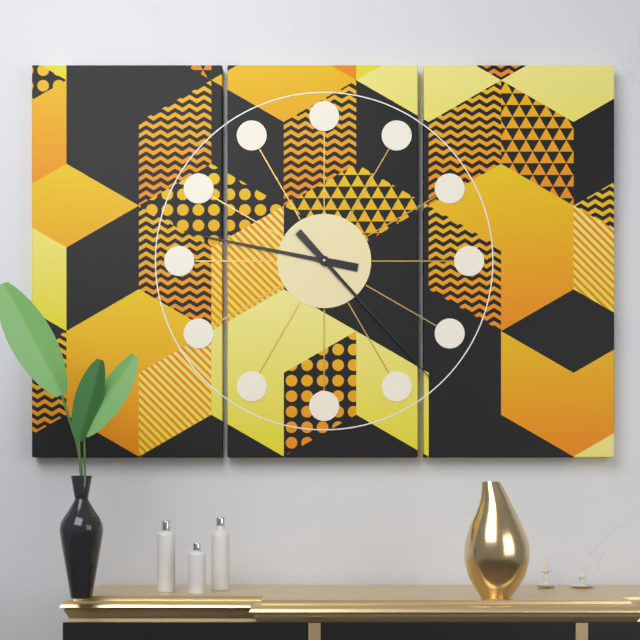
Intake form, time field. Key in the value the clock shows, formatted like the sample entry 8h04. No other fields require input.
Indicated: 9h23
